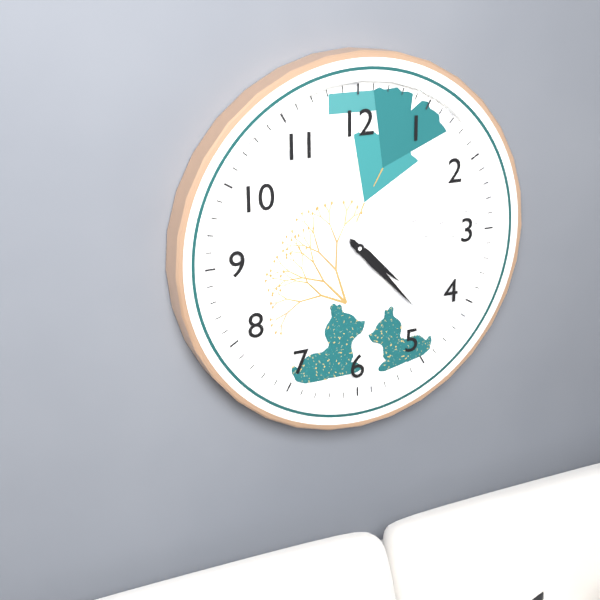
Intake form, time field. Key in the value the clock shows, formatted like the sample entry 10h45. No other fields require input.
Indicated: 4h23
